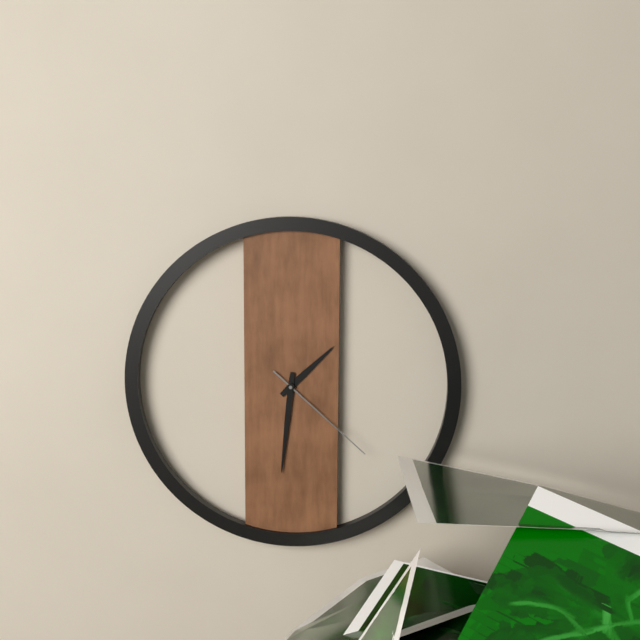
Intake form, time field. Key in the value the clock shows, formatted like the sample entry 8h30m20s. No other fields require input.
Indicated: 1h31m22s
